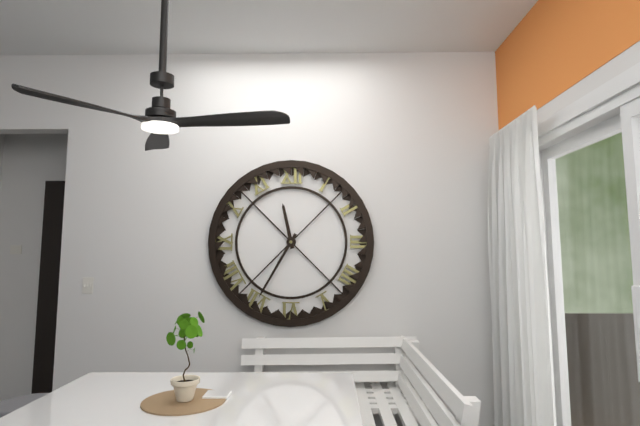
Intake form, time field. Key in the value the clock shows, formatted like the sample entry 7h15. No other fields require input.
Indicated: 11h35
